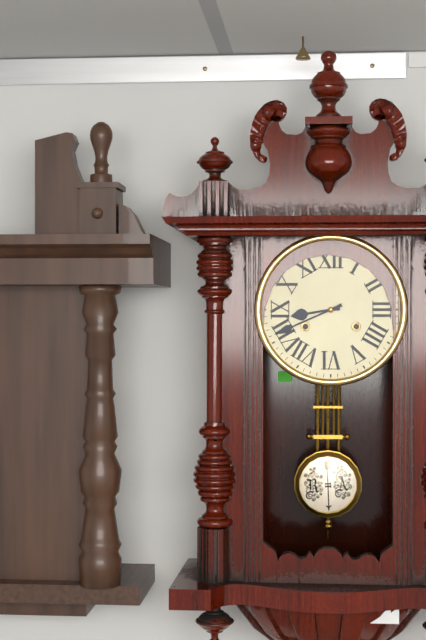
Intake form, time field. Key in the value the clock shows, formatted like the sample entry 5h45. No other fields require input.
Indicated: 8h41
